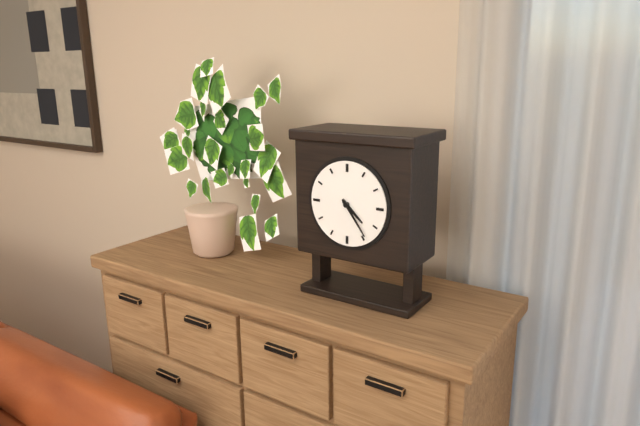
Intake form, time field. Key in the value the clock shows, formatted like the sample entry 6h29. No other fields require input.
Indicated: 4h24
